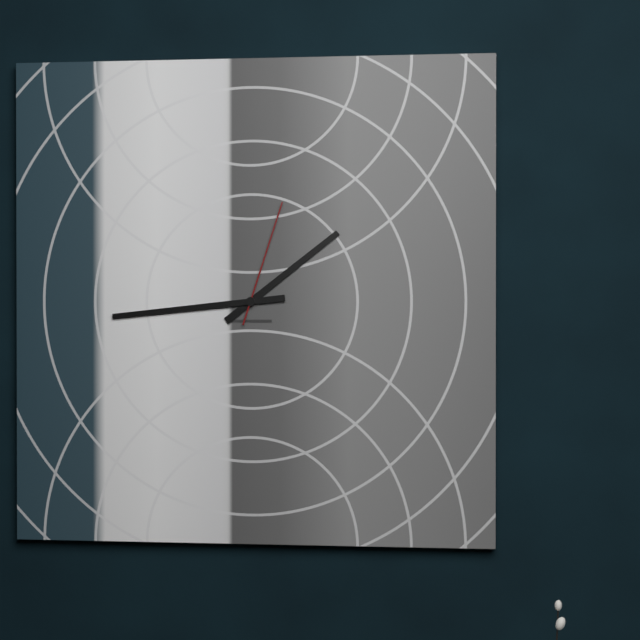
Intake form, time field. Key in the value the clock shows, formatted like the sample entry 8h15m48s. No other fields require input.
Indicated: 1h44m03s
